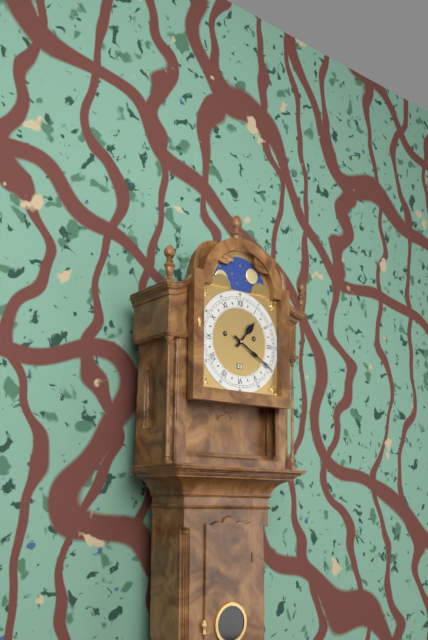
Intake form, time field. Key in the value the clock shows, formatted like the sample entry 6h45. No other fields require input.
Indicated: 1h20
